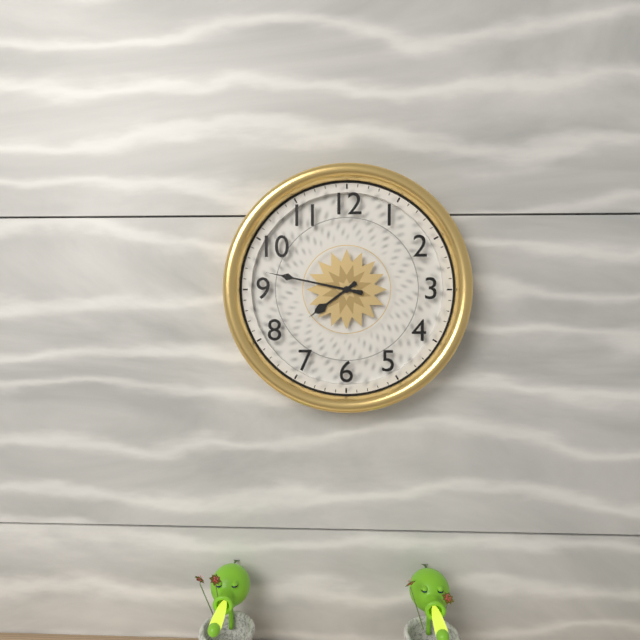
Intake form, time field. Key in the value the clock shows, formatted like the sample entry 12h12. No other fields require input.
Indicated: 7h47
